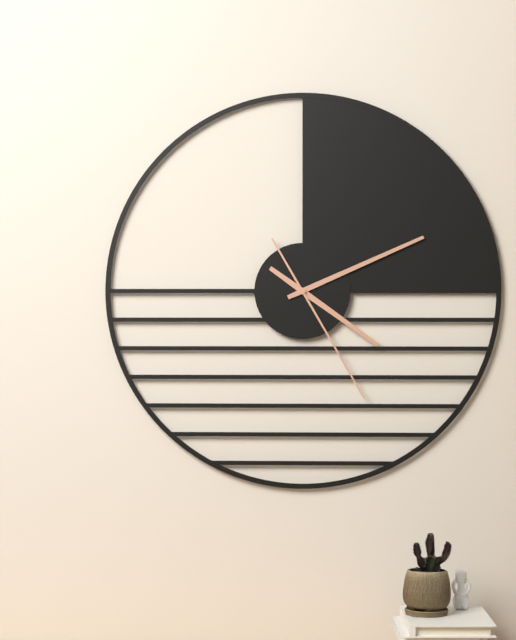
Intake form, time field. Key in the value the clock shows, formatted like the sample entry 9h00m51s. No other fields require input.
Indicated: 4h11m25s
